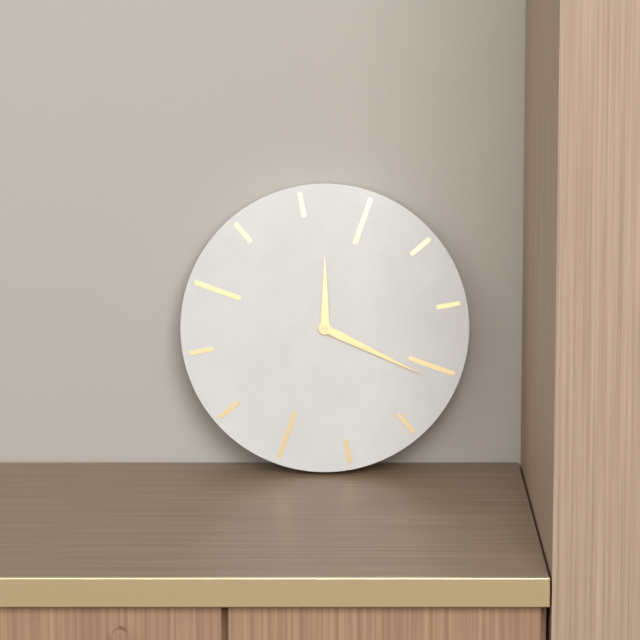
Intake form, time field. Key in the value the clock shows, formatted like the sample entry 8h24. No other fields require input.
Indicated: 12h21
